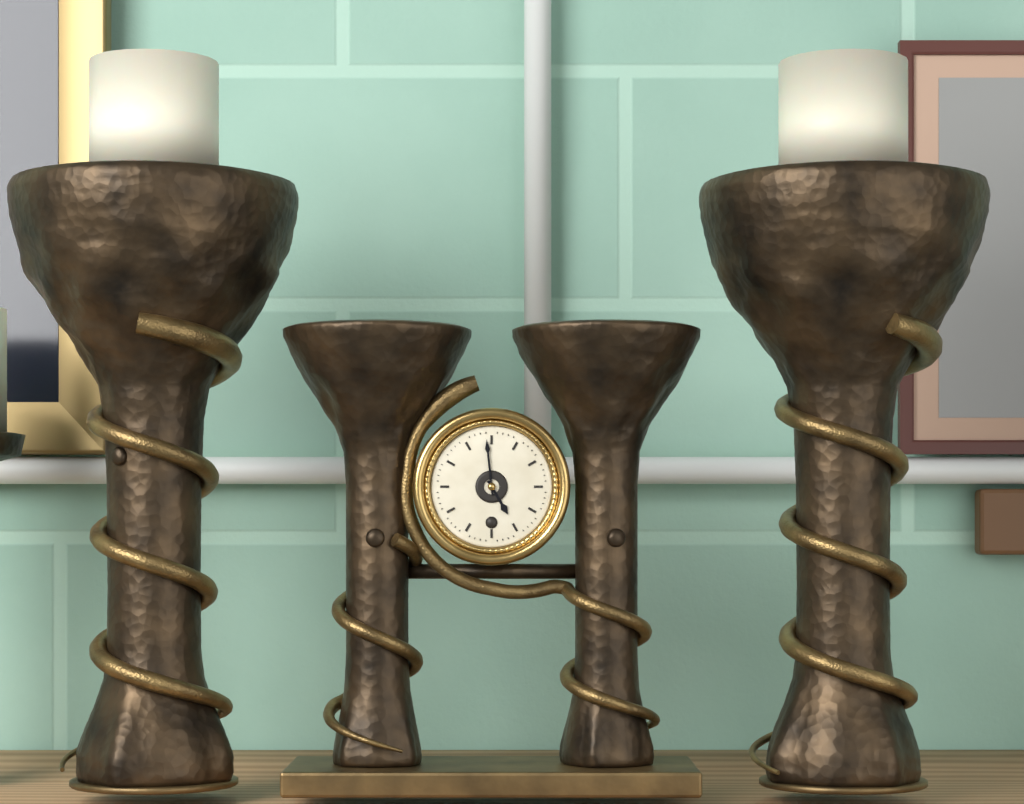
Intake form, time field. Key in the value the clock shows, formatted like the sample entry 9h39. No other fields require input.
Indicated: 4h59
